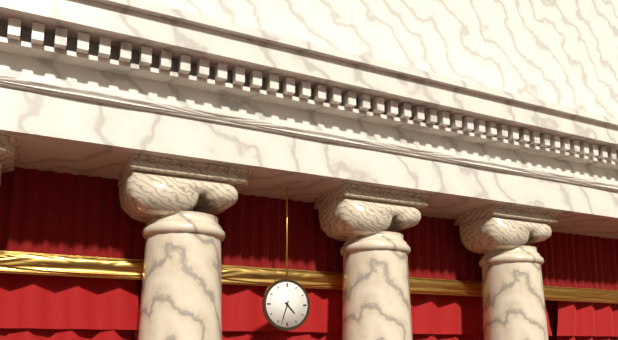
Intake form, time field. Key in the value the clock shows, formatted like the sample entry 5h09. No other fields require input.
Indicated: 4h33
